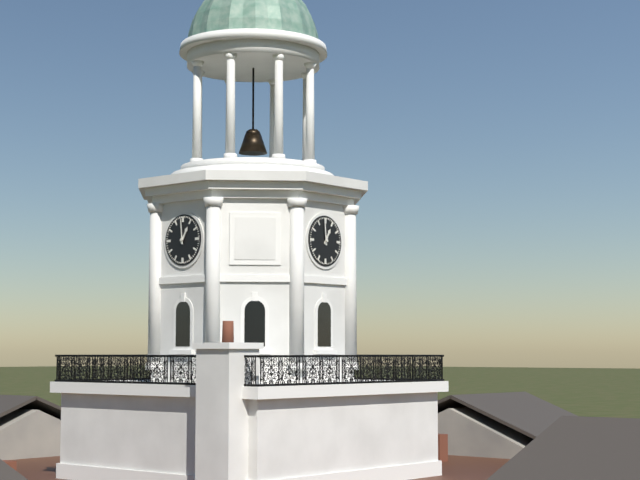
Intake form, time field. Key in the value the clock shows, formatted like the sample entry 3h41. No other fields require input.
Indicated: 12h59
